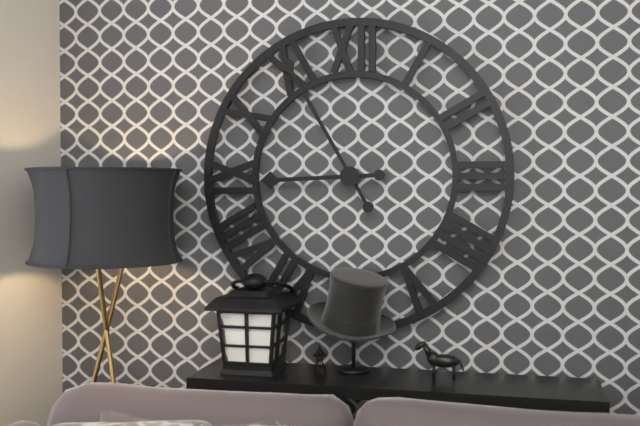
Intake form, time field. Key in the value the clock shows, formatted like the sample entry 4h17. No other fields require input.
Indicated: 8h55
